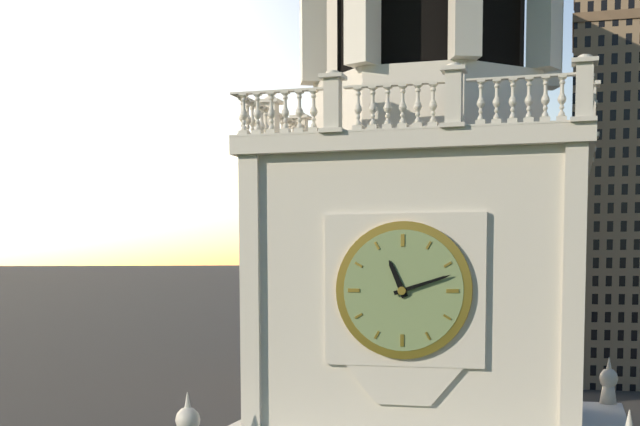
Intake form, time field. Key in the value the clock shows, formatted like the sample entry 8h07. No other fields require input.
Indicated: 11h12
